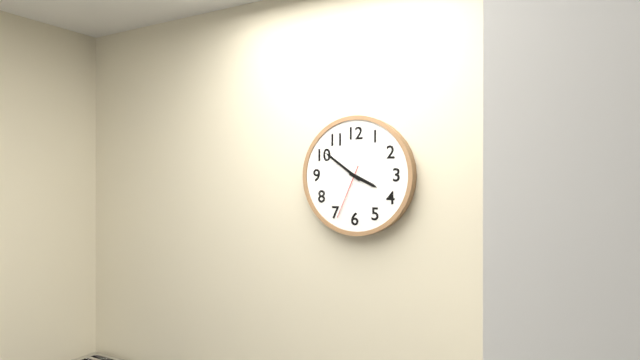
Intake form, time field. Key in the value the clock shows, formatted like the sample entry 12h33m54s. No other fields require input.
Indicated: 3h51m34s
